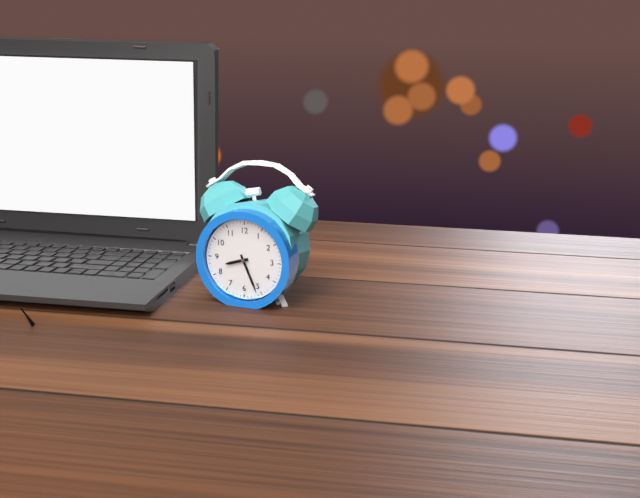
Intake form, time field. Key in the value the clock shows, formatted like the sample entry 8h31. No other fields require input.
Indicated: 8h26
